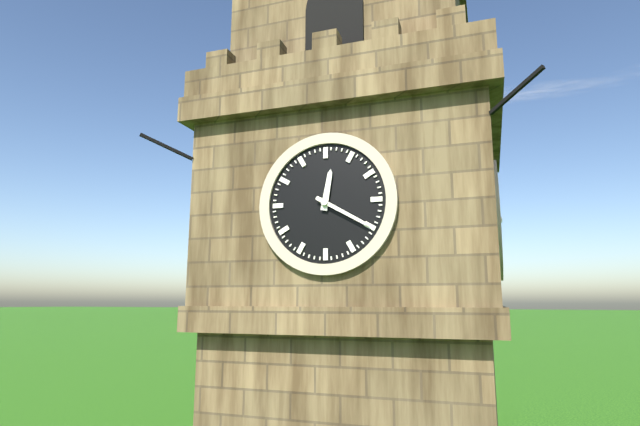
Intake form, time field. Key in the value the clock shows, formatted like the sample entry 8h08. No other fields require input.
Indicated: 12h20
